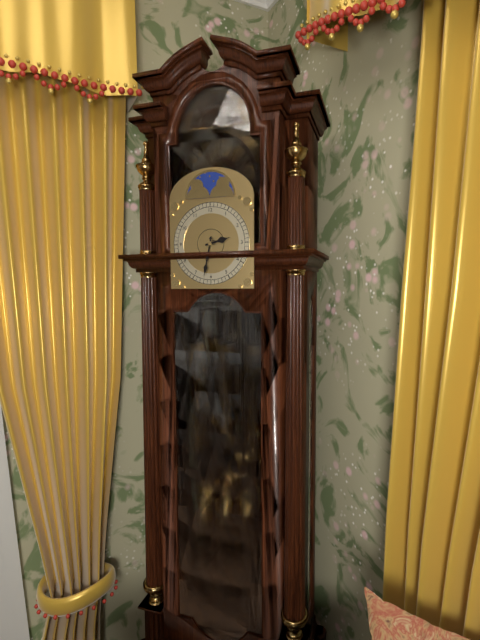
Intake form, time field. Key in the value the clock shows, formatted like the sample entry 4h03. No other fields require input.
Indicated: 2h32
